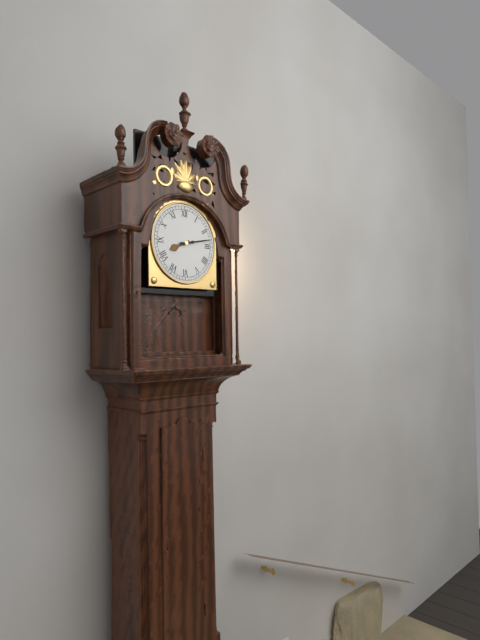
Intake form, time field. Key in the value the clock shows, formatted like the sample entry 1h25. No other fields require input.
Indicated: 8h13
